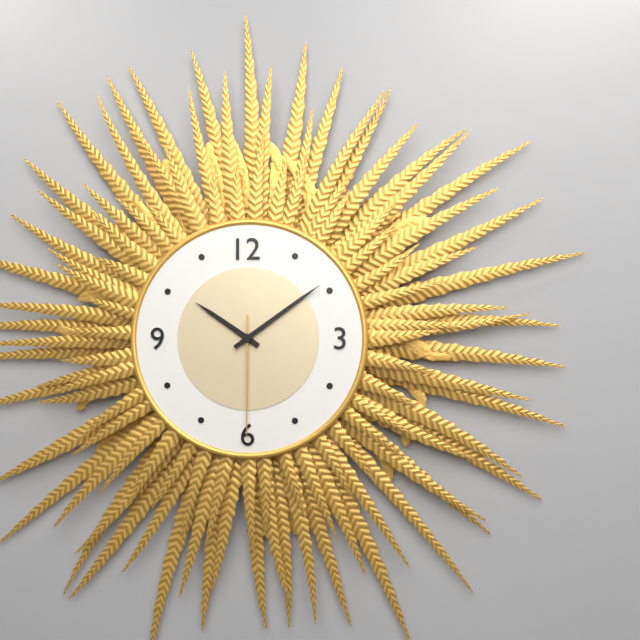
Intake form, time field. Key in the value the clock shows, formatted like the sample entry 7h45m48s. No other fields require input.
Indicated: 10h09m30s
